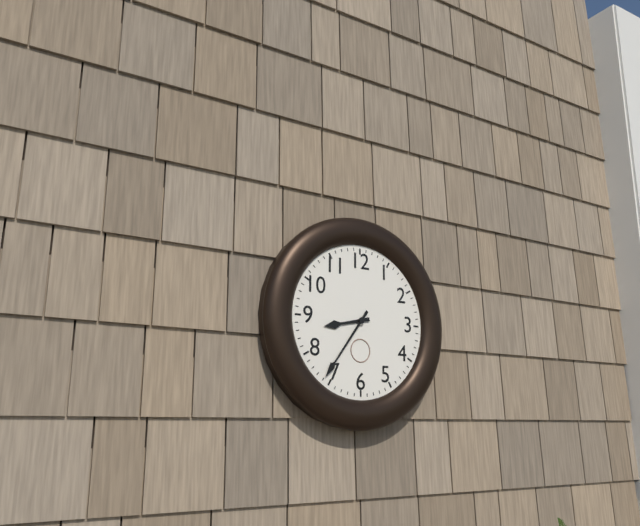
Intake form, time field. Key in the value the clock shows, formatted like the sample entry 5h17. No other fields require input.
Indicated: 8h36
